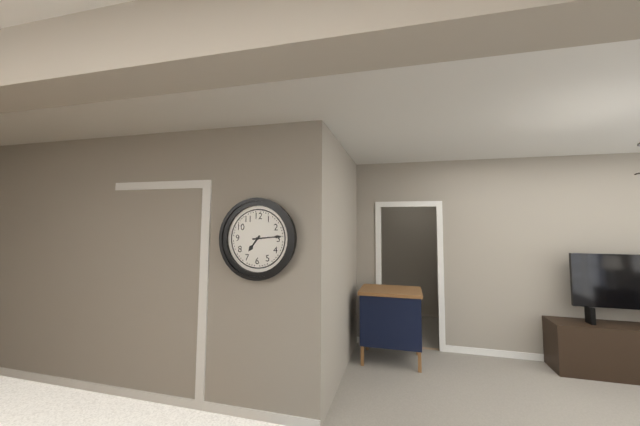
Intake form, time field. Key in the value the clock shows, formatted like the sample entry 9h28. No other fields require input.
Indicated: 7h14
